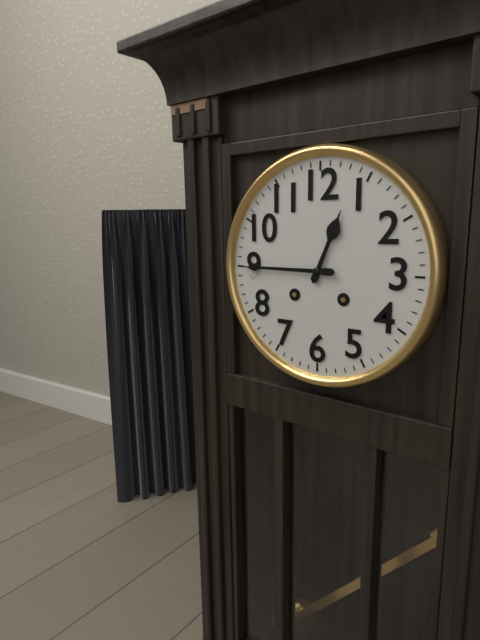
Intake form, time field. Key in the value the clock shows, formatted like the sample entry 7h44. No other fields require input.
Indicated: 12h45
